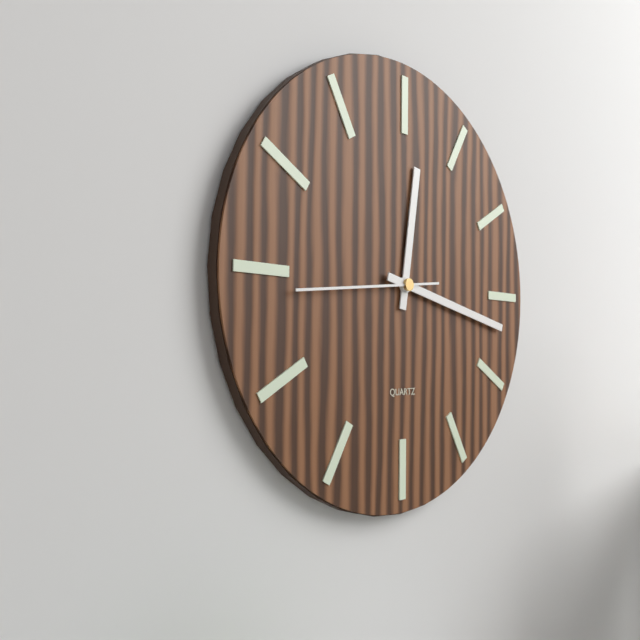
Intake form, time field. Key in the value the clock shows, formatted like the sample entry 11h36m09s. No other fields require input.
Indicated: 12h17m44s
